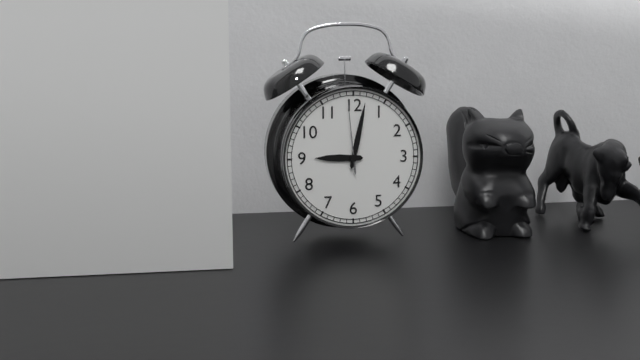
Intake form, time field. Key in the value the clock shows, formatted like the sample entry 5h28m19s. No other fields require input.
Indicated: 9h02m59s
